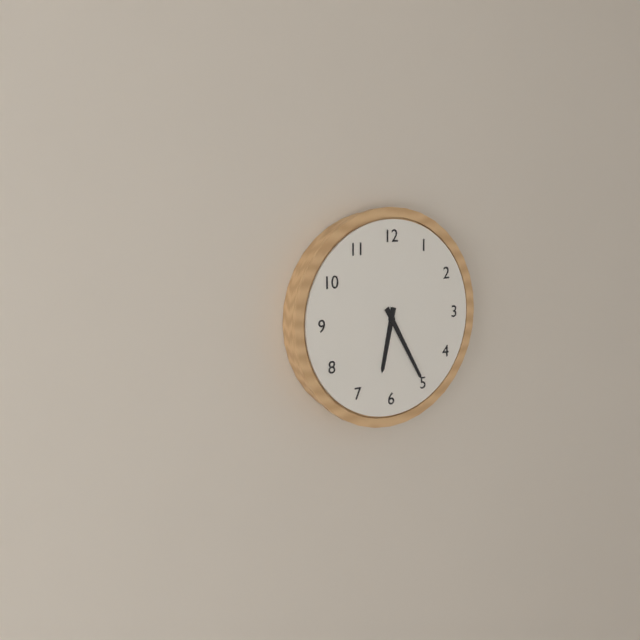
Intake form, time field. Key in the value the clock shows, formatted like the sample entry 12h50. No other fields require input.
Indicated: 6h25
